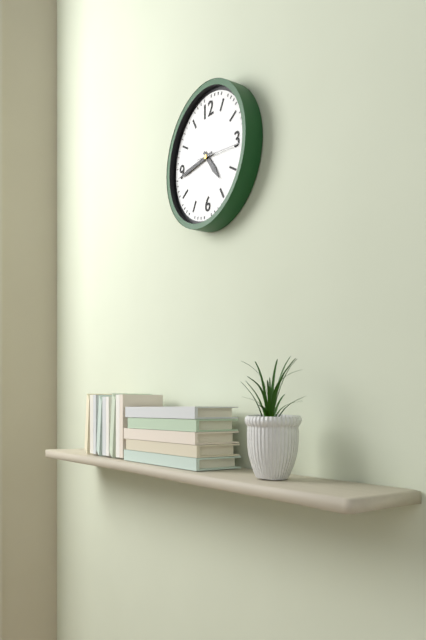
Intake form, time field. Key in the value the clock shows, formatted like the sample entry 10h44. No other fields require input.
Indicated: 4h44
